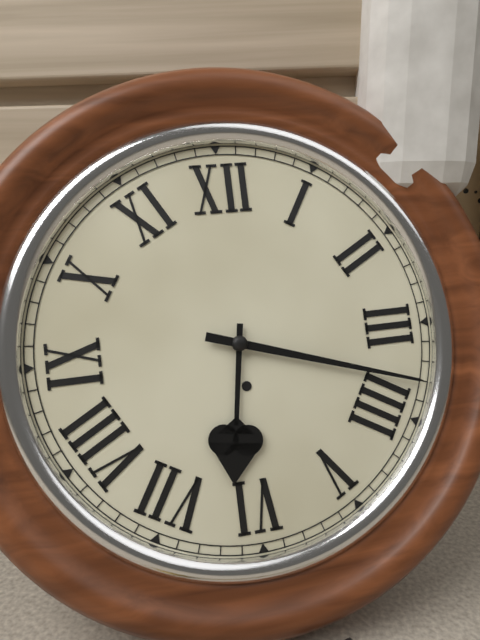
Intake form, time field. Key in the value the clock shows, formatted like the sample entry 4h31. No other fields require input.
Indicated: 6h18
